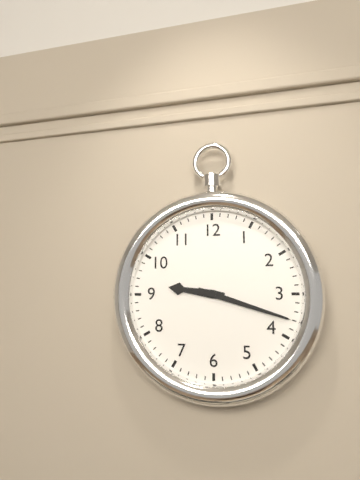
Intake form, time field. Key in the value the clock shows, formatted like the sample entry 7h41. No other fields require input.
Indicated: 9h18
